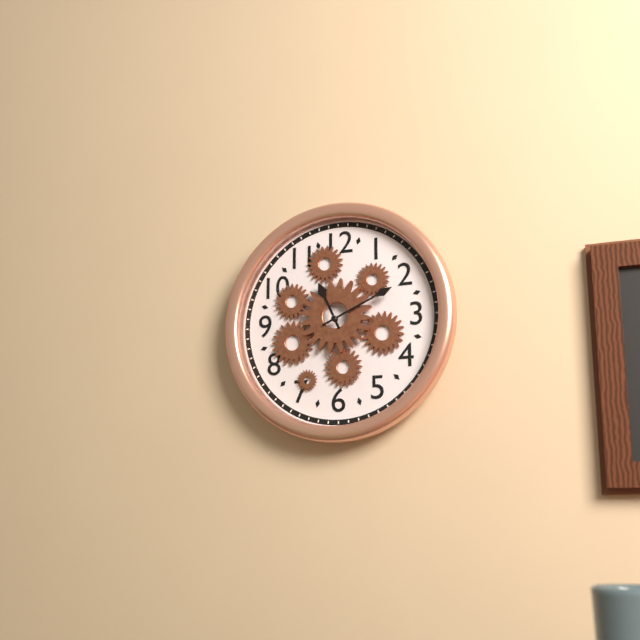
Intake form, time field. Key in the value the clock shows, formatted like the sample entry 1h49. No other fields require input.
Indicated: 11h11
